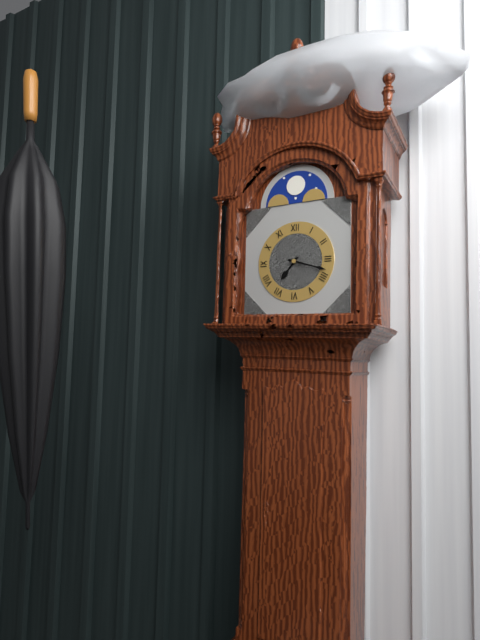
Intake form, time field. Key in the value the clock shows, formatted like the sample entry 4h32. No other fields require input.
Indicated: 7h18
